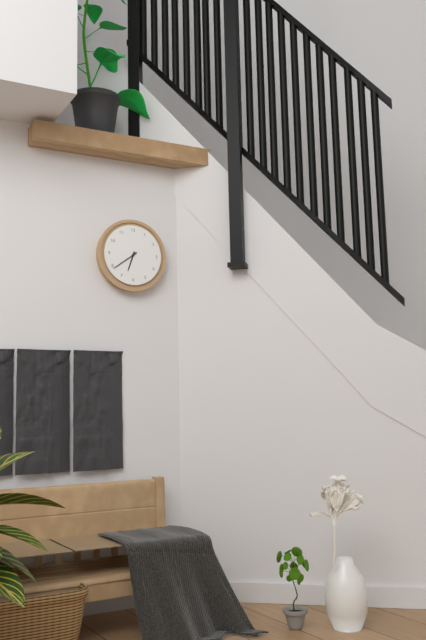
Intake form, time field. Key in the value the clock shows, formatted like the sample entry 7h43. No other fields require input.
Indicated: 6h39
